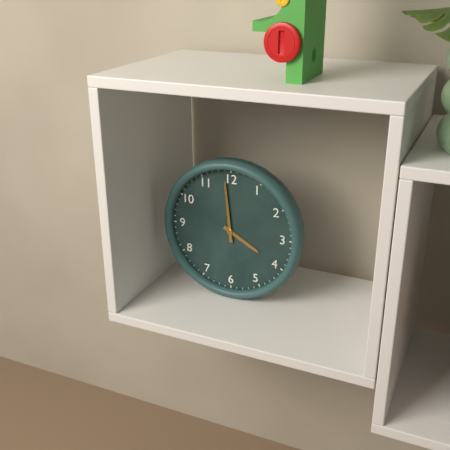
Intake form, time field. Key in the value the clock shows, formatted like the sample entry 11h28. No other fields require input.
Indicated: 3h59
